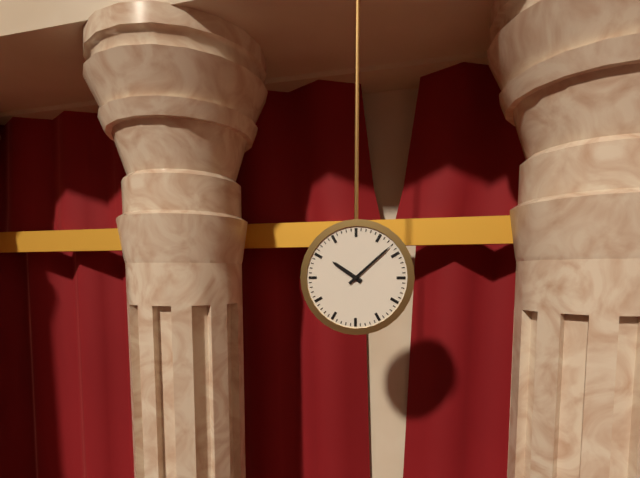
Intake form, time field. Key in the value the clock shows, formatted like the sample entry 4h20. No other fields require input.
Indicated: 10h08
